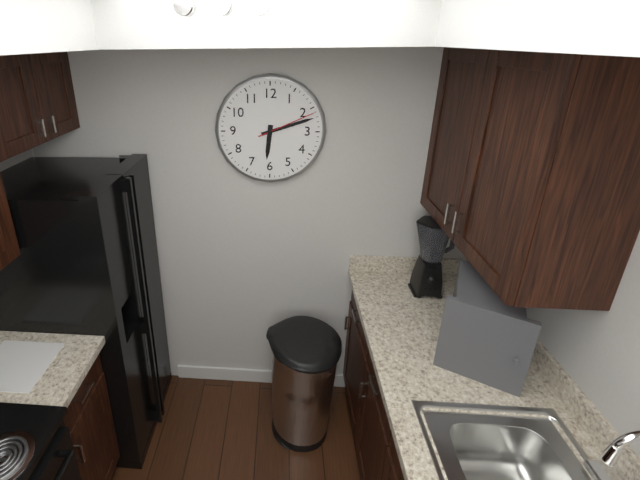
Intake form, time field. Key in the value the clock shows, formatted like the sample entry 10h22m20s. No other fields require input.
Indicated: 6h12m11s
